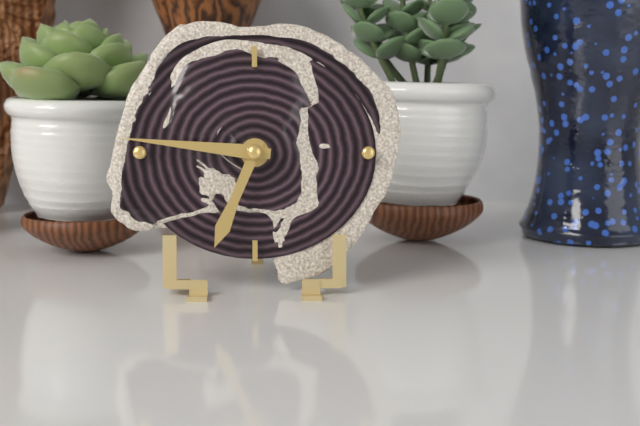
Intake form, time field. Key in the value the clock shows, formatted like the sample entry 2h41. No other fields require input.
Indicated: 6h46
